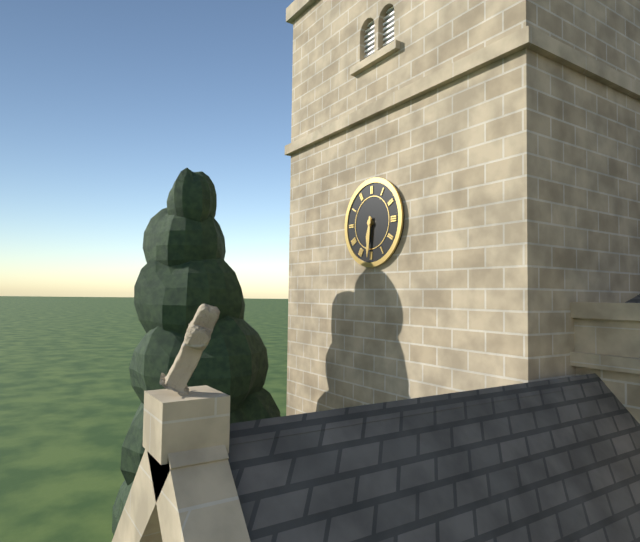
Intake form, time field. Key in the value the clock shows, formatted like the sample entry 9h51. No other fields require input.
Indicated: 6h31
